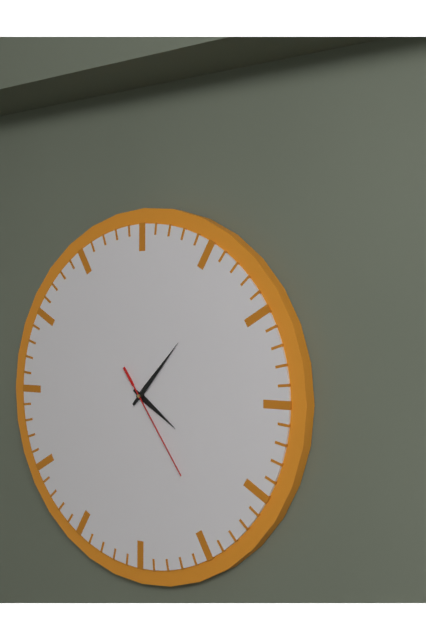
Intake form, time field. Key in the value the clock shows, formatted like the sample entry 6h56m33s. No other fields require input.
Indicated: 4h07m24s
